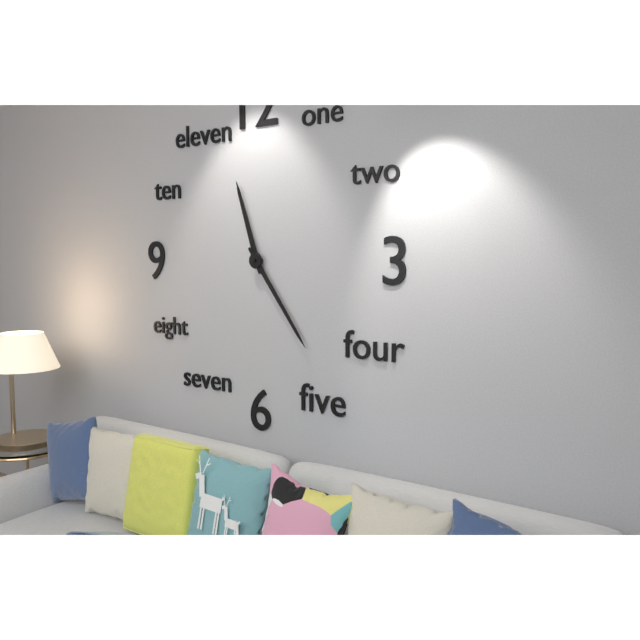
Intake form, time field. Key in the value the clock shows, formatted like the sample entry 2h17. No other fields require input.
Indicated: 11h24
